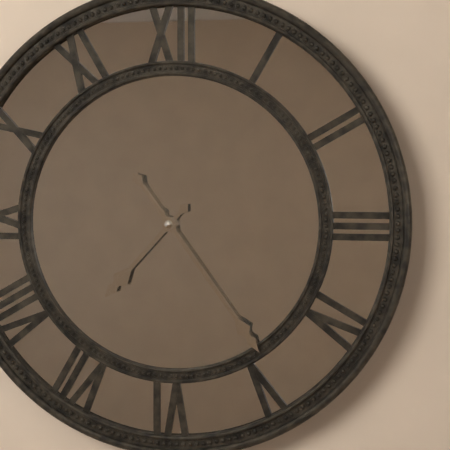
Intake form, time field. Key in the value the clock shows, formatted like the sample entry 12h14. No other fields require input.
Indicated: 7h24
